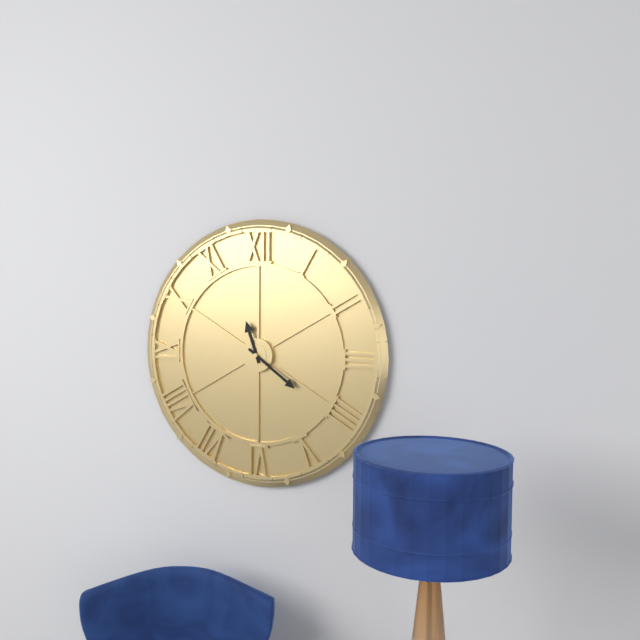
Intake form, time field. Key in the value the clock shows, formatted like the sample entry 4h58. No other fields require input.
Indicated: 11h21
